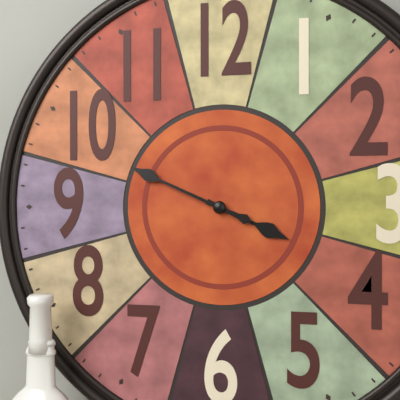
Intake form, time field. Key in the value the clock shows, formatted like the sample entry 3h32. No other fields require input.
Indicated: 3h49
